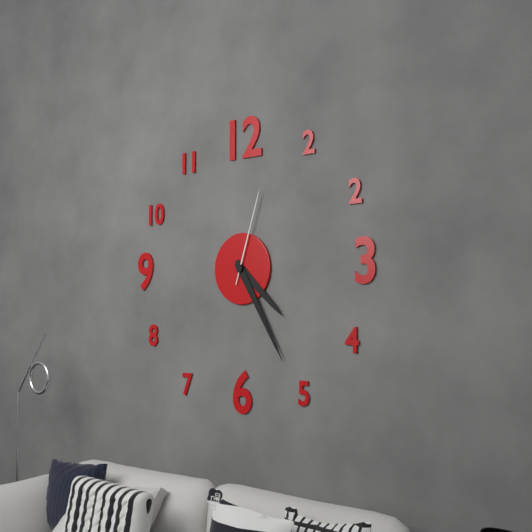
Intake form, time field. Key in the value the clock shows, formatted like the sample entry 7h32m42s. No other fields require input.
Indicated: 4h25m03s
